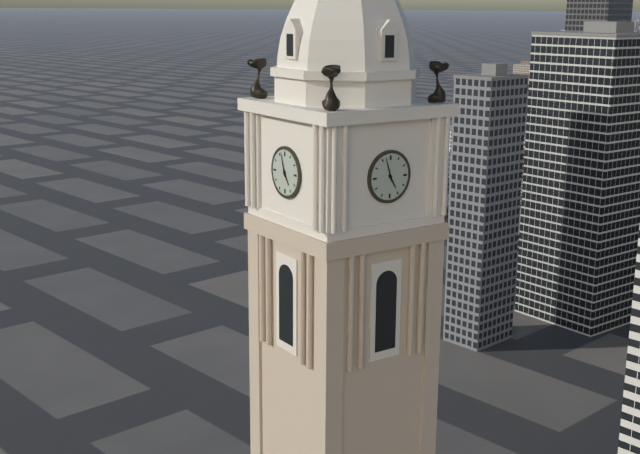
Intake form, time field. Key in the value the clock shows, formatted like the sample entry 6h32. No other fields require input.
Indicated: 4h57
